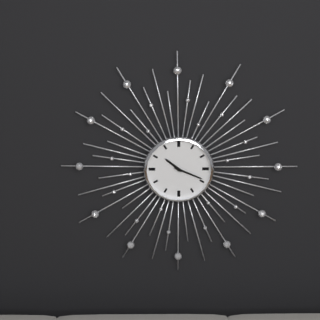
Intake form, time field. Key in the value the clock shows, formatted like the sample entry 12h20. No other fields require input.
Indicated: 10h19
